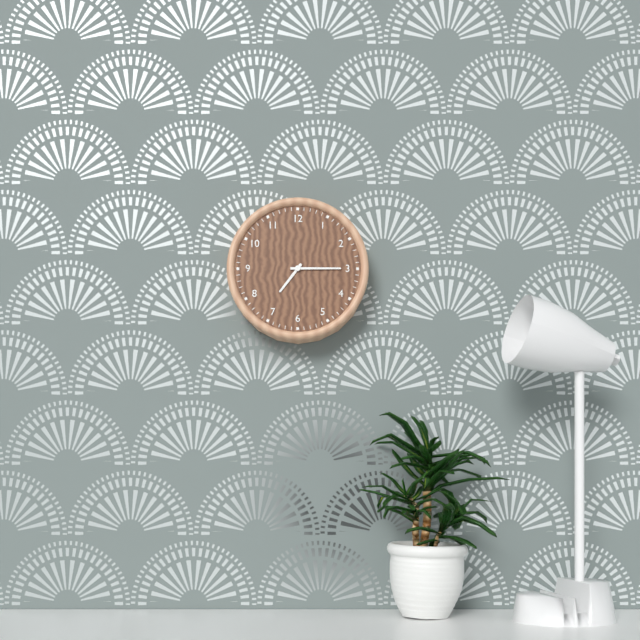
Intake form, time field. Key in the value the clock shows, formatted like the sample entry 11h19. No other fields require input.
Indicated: 7h15
